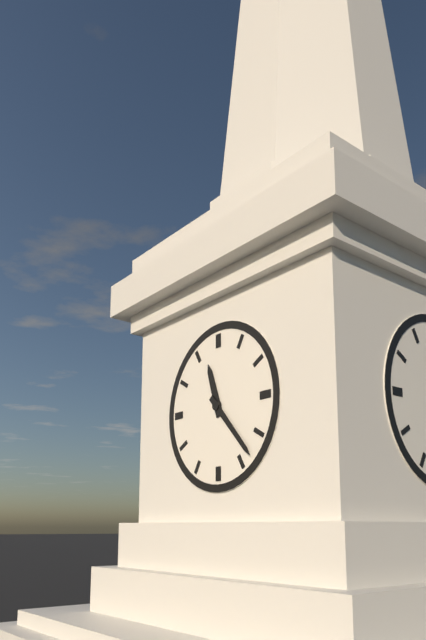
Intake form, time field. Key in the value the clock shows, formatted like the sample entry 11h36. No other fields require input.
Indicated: 11h23
